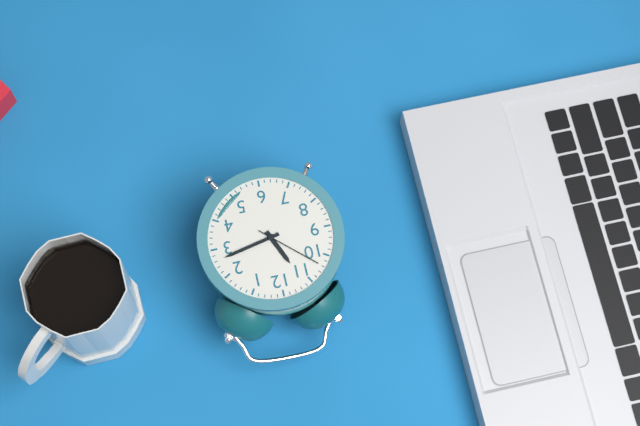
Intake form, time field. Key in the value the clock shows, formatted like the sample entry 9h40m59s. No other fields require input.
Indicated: 11h13m52s
